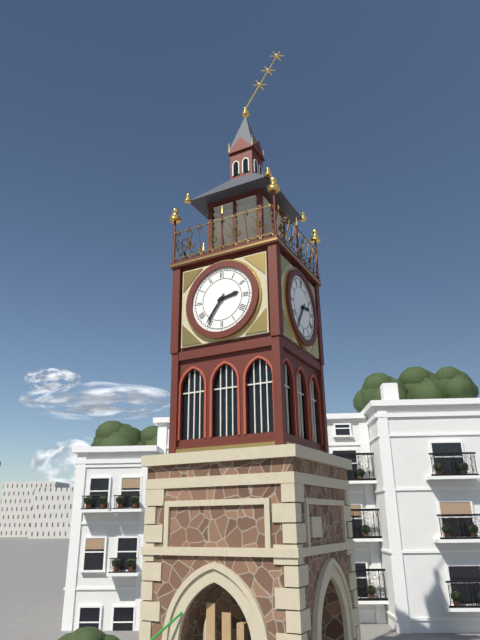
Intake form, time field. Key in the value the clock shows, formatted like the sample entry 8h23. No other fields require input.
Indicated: 2h36
